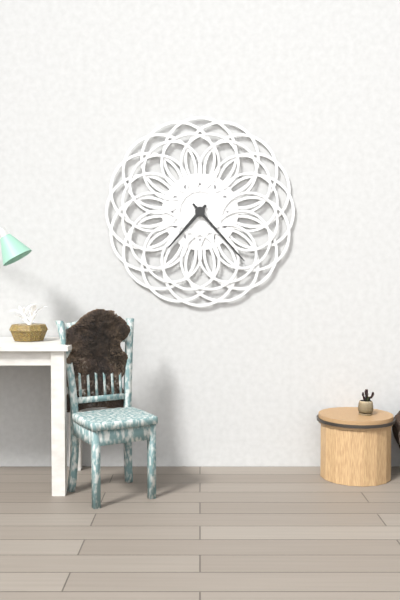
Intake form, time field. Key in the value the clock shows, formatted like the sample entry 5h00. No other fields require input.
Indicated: 7h23
